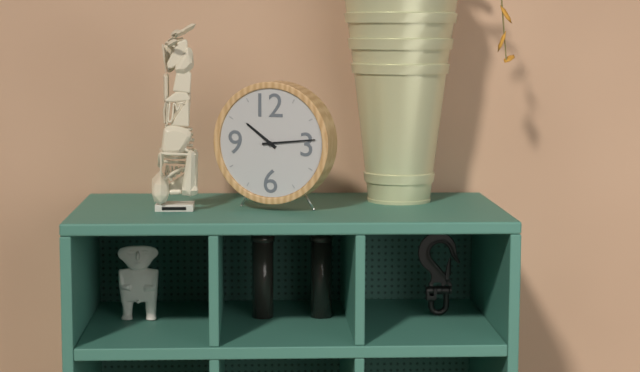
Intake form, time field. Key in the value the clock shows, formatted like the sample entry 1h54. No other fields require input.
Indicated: 10h14
